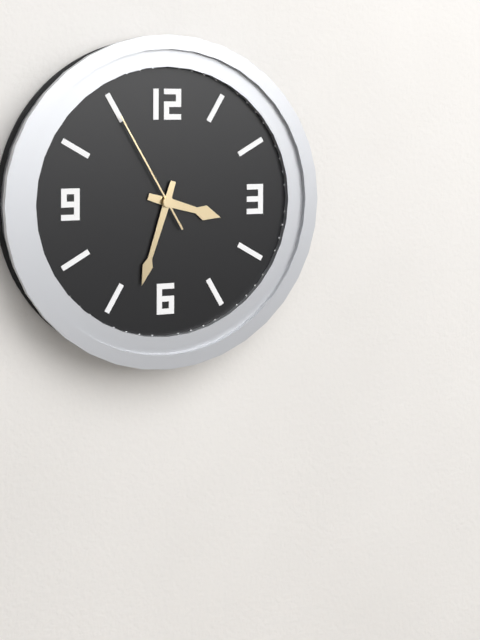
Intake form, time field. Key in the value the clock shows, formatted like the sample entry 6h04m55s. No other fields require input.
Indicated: 3h33m55s
